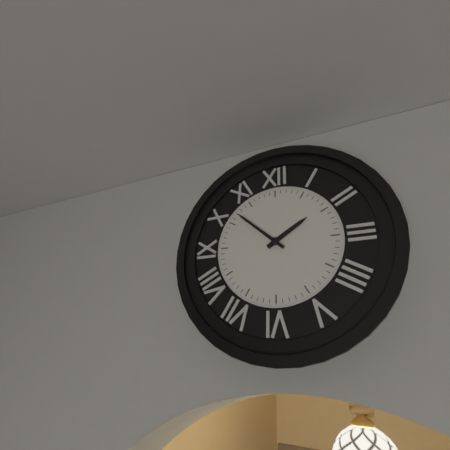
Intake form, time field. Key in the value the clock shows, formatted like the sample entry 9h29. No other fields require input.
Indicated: 1h52
